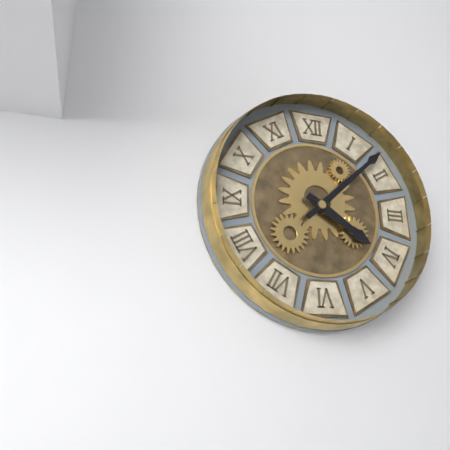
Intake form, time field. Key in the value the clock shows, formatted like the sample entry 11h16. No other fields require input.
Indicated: 4h08
